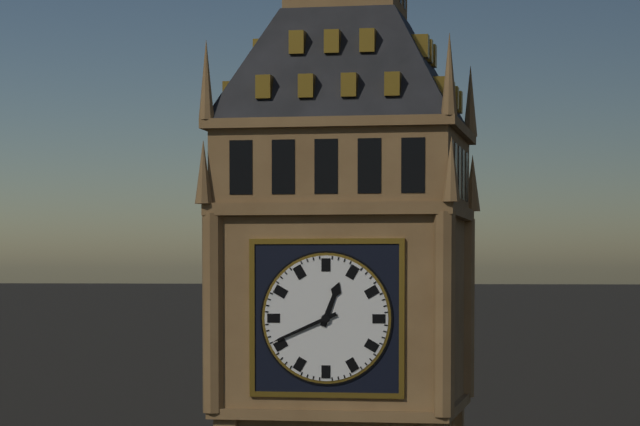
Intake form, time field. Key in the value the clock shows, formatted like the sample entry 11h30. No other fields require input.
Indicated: 12h41
